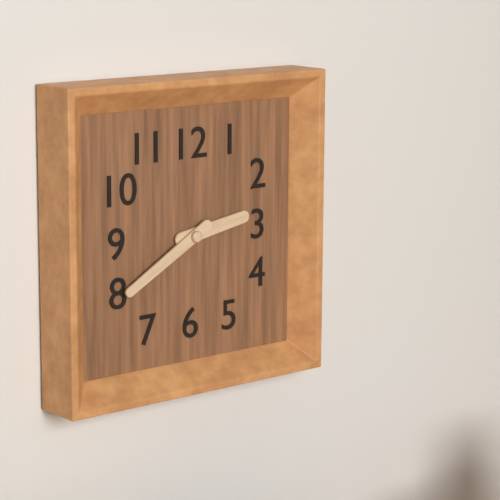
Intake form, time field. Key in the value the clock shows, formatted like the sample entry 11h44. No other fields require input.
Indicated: 2h40
